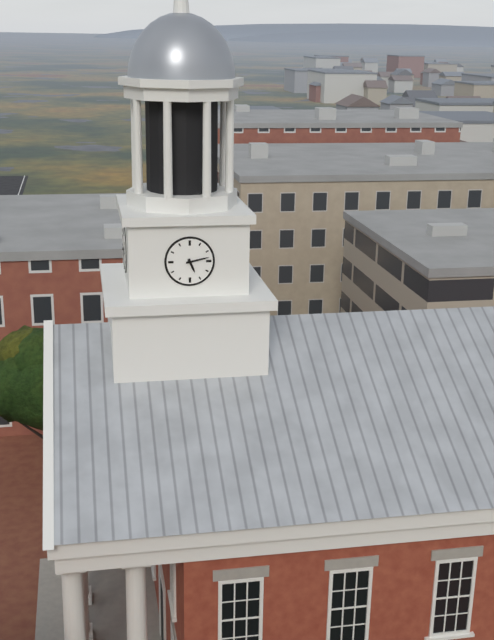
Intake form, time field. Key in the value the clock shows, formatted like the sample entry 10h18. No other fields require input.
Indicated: 5h13
